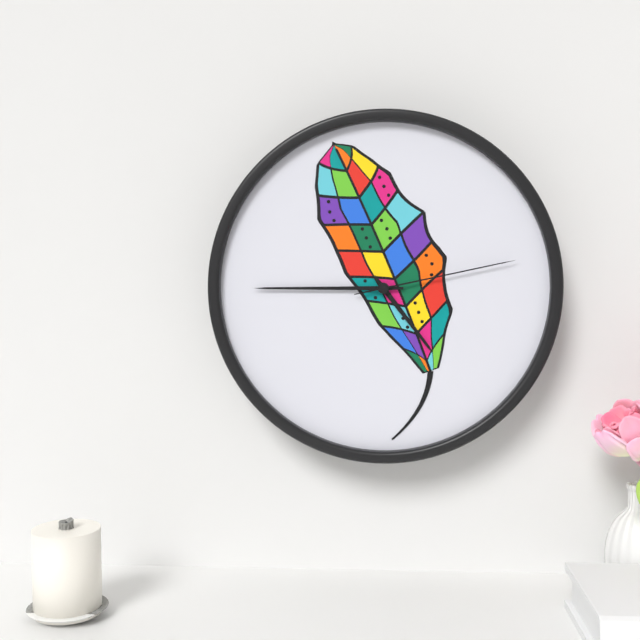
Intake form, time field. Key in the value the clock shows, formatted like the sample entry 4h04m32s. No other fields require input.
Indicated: 4h45m13s
